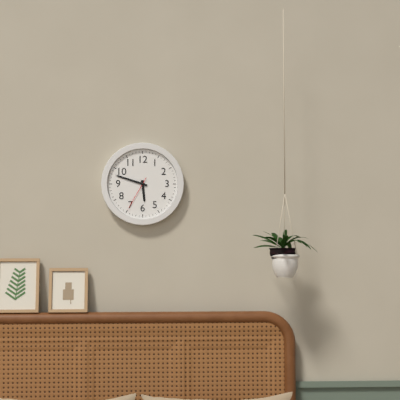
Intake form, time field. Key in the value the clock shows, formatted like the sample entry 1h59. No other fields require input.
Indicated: 5h48
